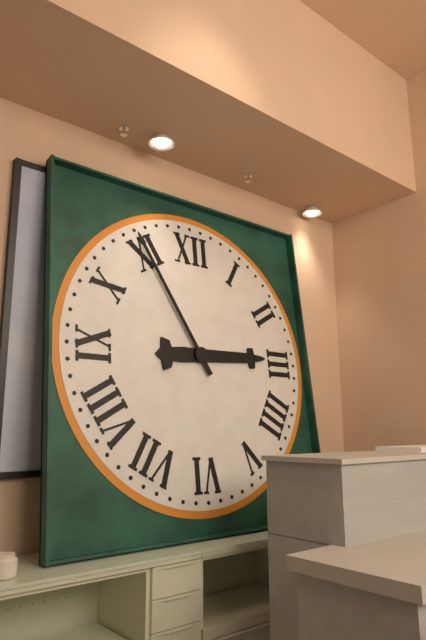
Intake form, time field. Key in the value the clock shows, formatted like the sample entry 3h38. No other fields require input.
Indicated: 2h55
